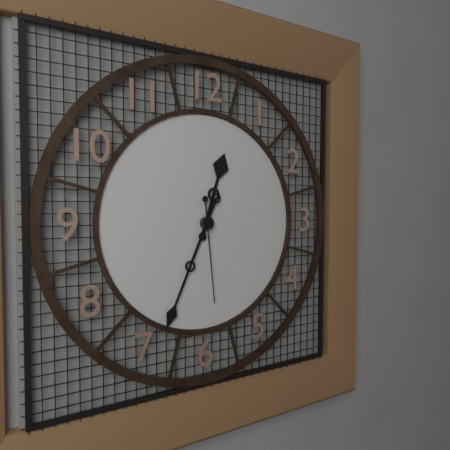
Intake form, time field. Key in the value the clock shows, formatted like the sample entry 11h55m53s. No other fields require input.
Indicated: 12h34m29s
